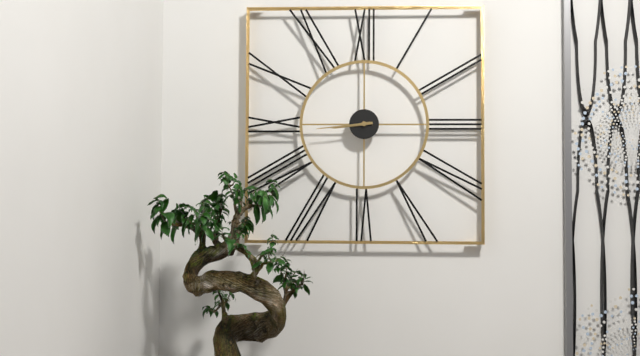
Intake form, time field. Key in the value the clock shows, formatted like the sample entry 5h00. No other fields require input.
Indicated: 8h44
